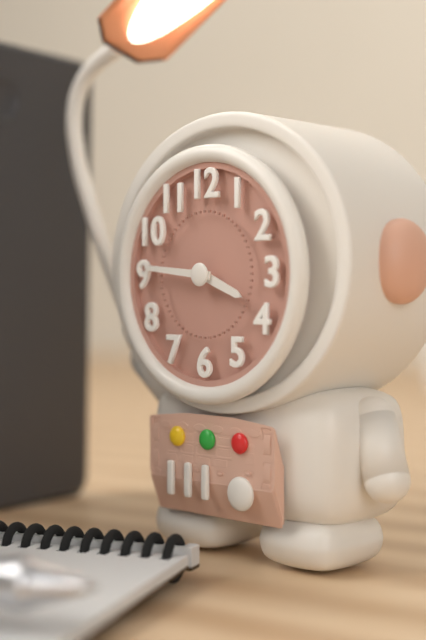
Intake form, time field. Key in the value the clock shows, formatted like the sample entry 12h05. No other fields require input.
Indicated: 3h46
